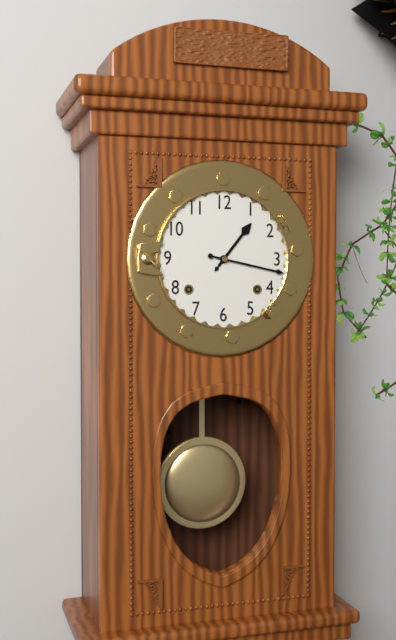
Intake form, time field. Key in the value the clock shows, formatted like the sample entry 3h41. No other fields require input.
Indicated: 1h17
